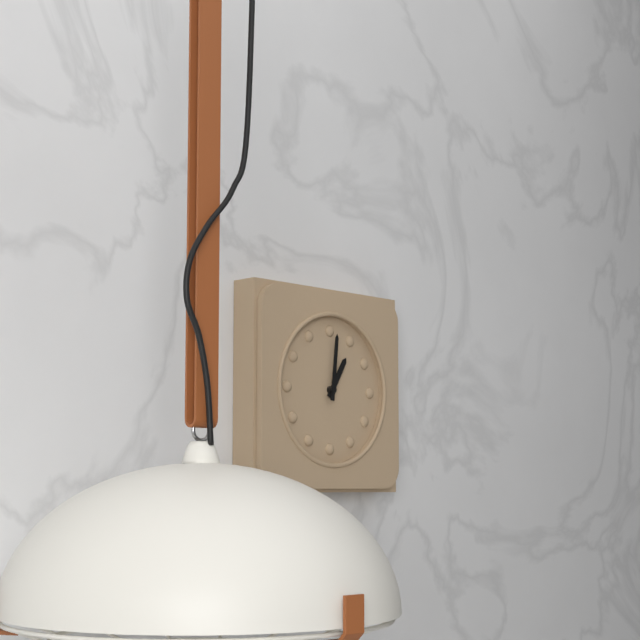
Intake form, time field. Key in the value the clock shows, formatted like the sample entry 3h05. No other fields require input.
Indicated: 1h01
